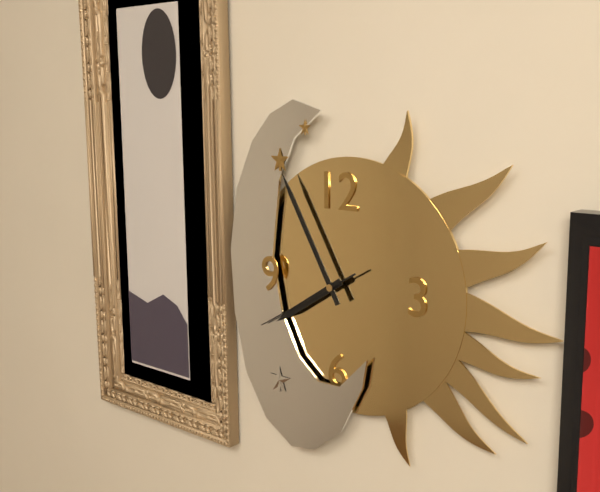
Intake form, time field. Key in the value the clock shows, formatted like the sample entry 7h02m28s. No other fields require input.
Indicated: 7h55m40s
